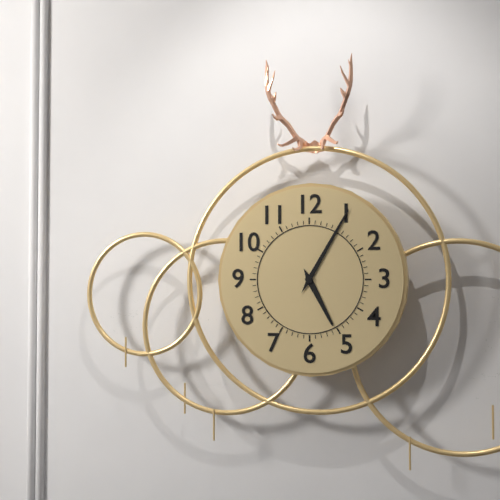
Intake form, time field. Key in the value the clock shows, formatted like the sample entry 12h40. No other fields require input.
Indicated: 5h05
